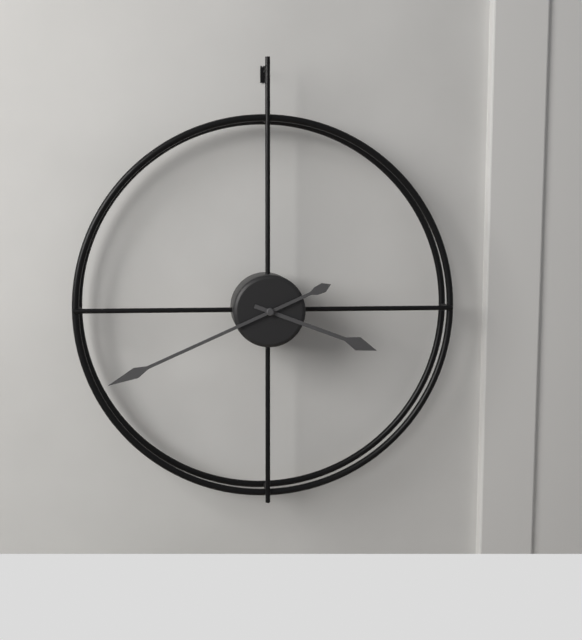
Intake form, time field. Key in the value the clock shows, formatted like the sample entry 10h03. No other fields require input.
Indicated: 3h41
